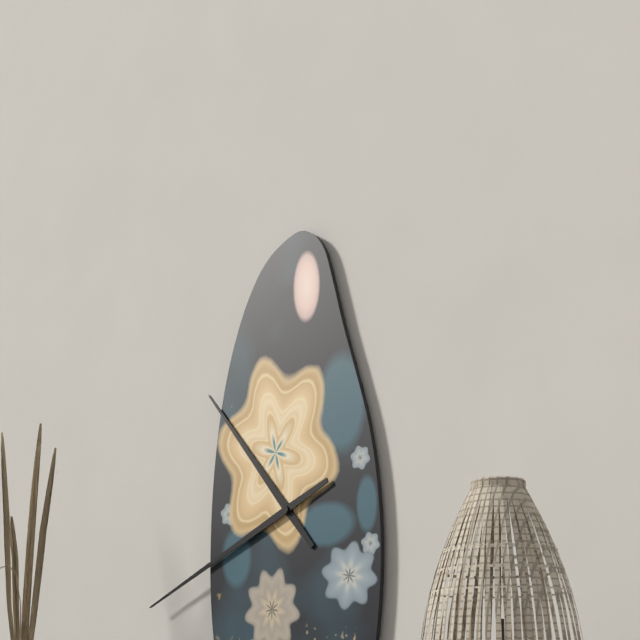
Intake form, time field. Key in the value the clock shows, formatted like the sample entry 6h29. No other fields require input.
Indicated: 10h41
